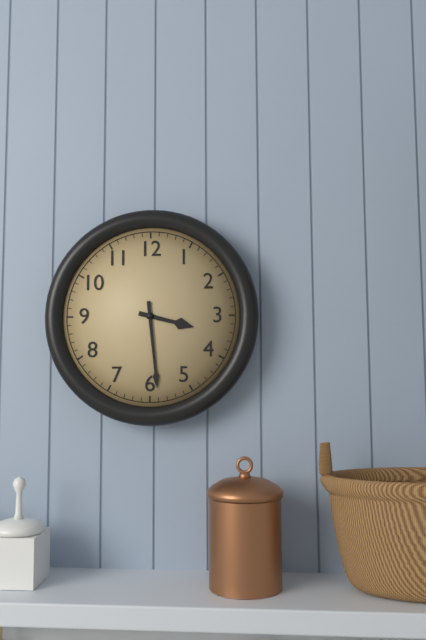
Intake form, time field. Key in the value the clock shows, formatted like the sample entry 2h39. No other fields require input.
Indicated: 3h29
